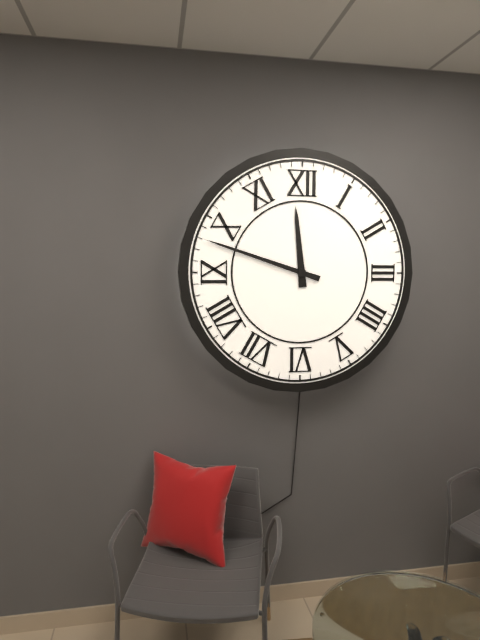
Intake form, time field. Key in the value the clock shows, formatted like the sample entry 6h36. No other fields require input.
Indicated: 11h48
